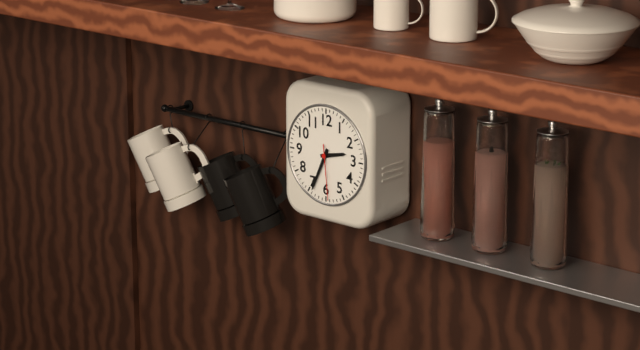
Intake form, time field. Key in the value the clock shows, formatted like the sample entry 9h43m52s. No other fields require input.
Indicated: 2h34m29s
